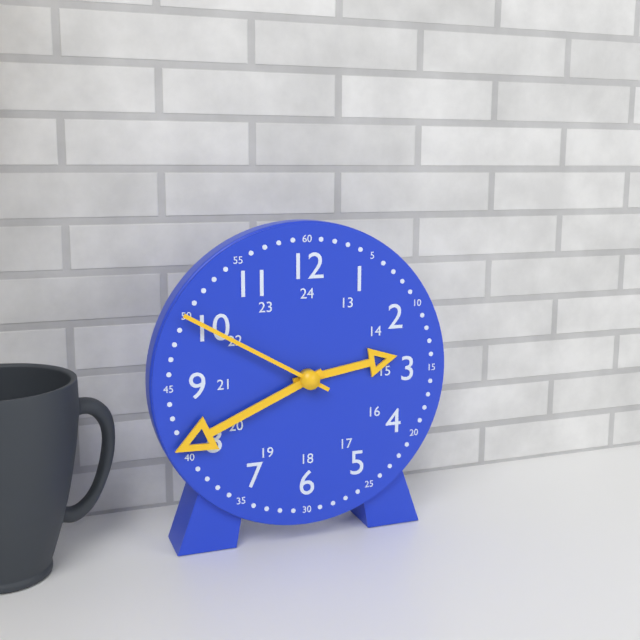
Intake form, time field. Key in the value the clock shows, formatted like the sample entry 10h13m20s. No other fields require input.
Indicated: 2h41m50s
